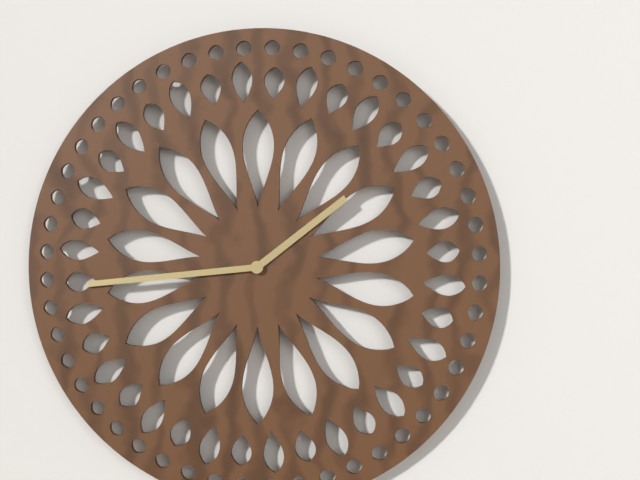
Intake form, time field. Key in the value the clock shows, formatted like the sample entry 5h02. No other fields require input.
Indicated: 1h44
